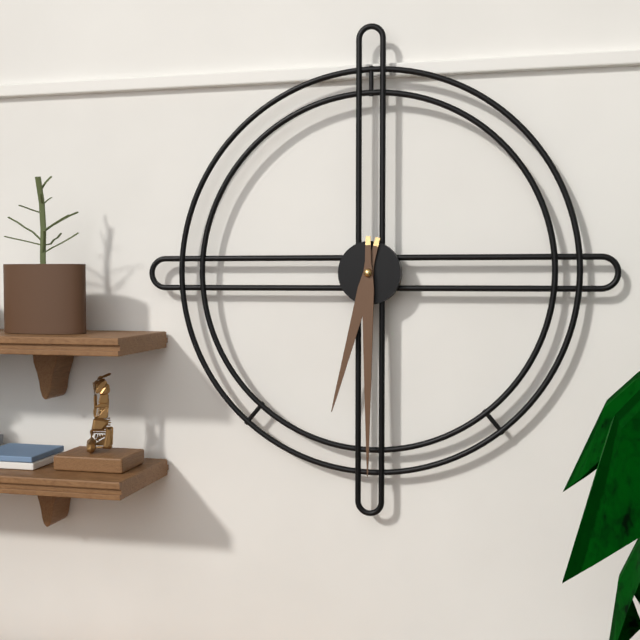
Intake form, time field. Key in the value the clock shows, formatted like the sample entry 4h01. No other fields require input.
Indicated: 6h30
